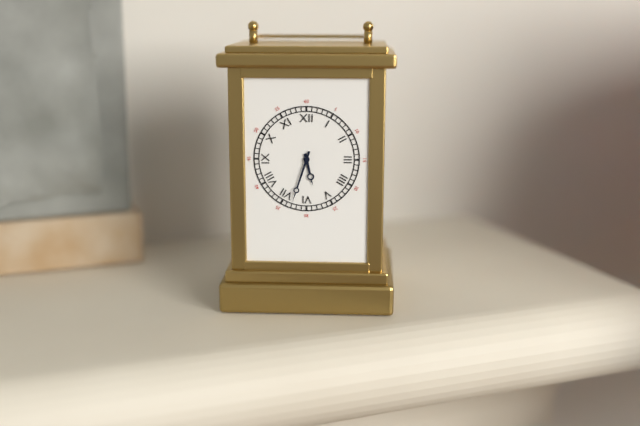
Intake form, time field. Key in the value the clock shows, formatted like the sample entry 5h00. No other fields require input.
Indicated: 5h33
